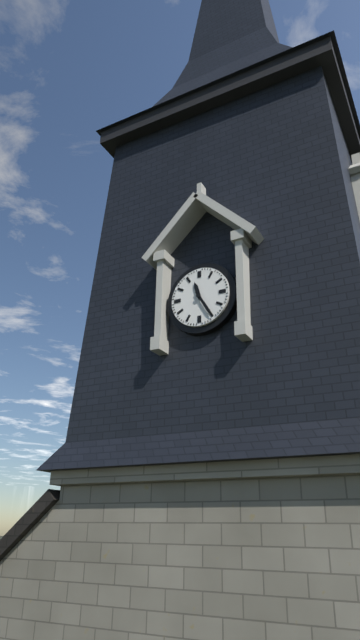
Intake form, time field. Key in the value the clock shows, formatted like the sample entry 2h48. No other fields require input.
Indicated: 11h25
